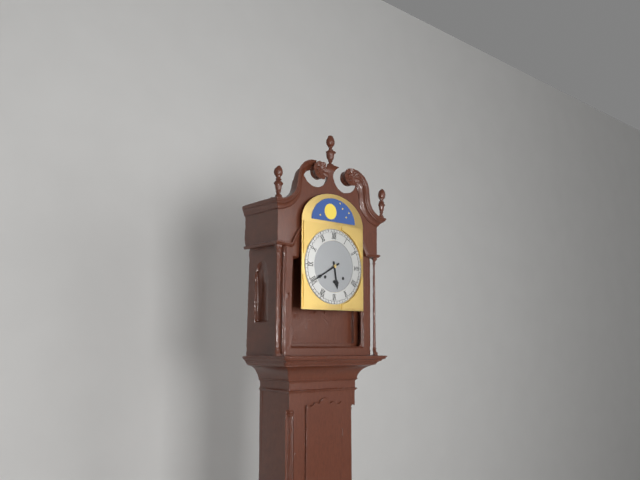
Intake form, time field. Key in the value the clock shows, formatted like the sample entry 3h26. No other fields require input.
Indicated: 5h40
